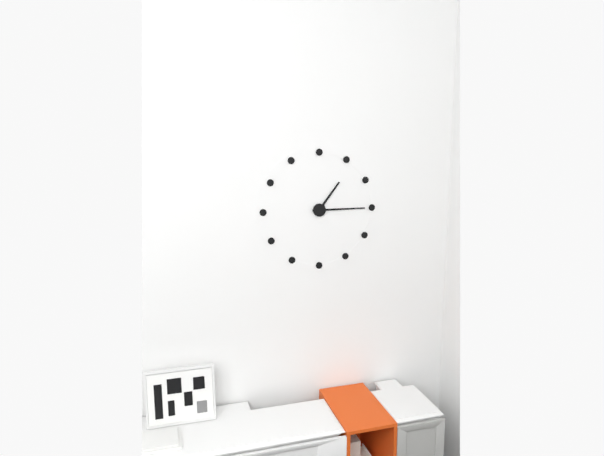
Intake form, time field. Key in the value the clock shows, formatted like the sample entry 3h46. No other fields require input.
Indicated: 1h15
